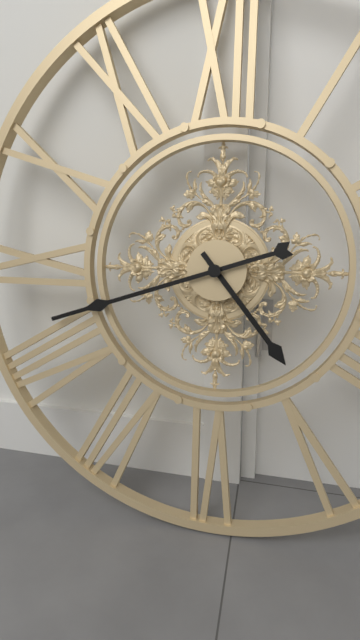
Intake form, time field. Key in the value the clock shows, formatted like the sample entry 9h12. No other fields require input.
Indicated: 4h42
